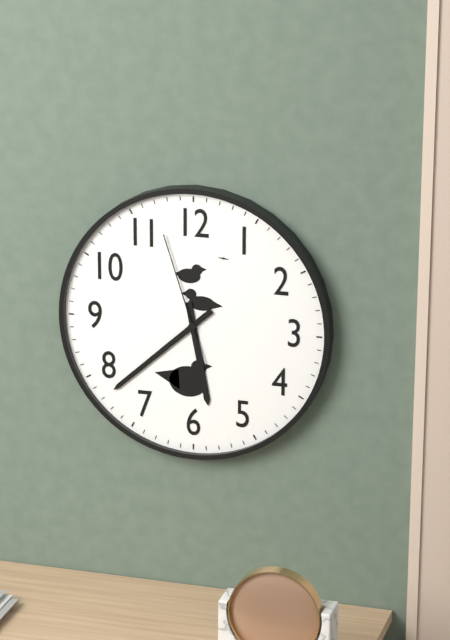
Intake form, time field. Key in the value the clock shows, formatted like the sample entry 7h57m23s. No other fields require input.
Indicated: 5h38m57s
